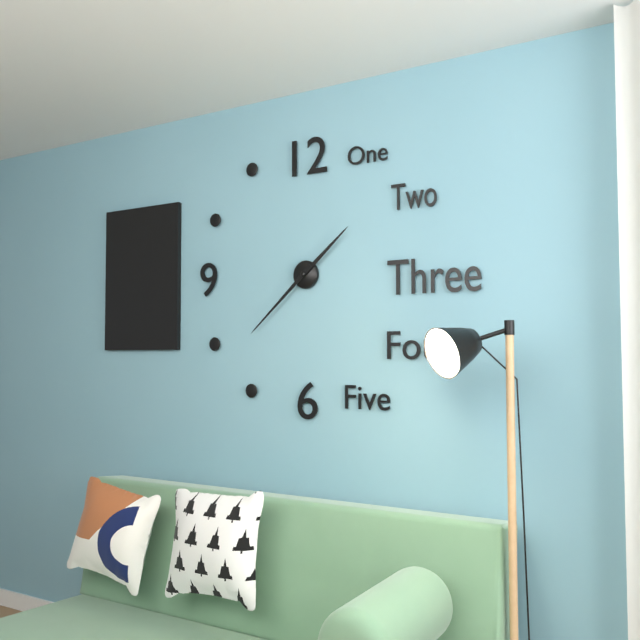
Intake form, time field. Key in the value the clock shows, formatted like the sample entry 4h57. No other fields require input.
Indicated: 1h38
